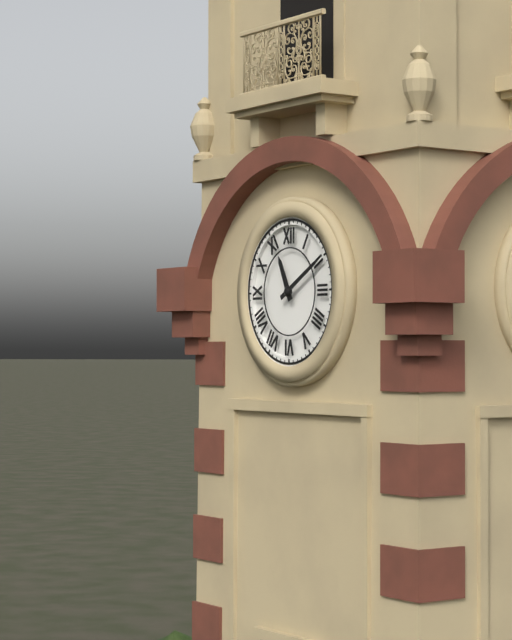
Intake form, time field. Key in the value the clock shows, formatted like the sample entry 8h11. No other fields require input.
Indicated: 11h10
